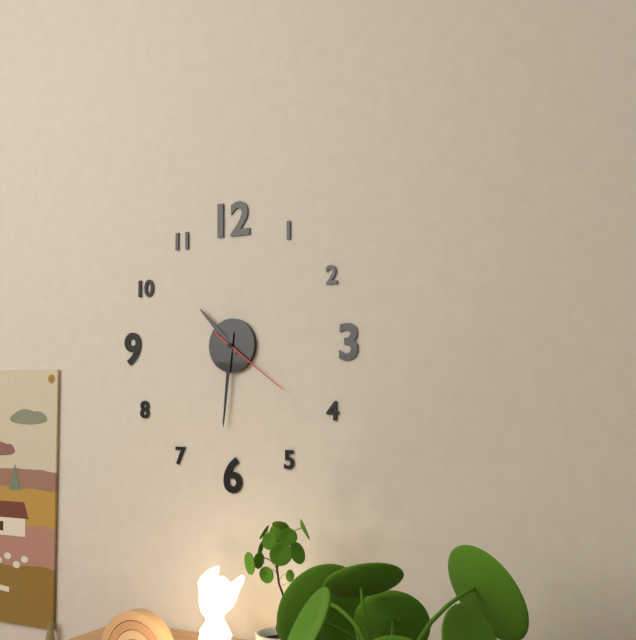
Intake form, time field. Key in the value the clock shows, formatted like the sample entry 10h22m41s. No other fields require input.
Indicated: 10h31m21s
